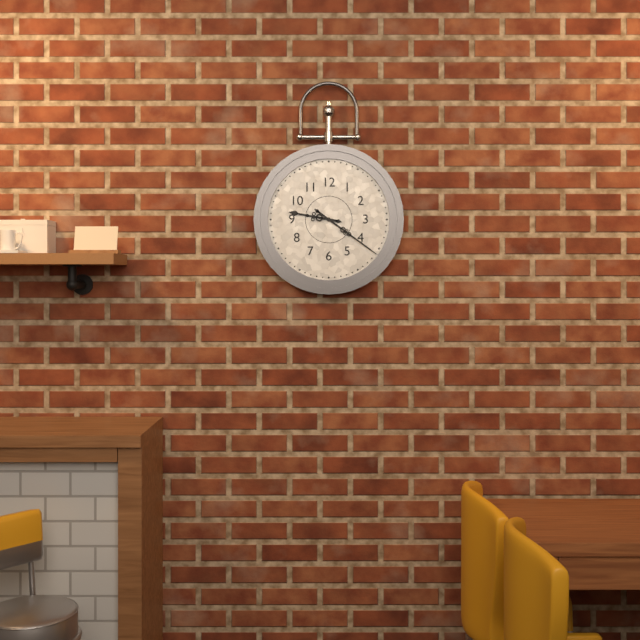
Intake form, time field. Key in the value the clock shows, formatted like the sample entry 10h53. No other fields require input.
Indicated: 9h21
